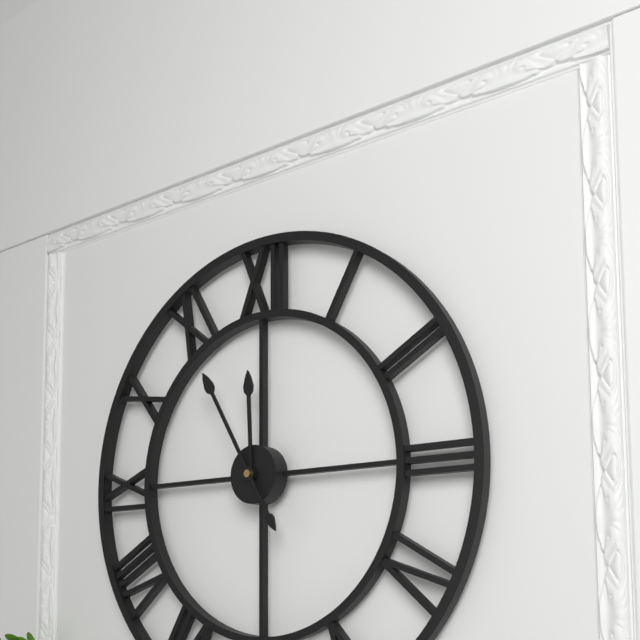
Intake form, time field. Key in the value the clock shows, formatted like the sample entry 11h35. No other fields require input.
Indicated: 11h55
